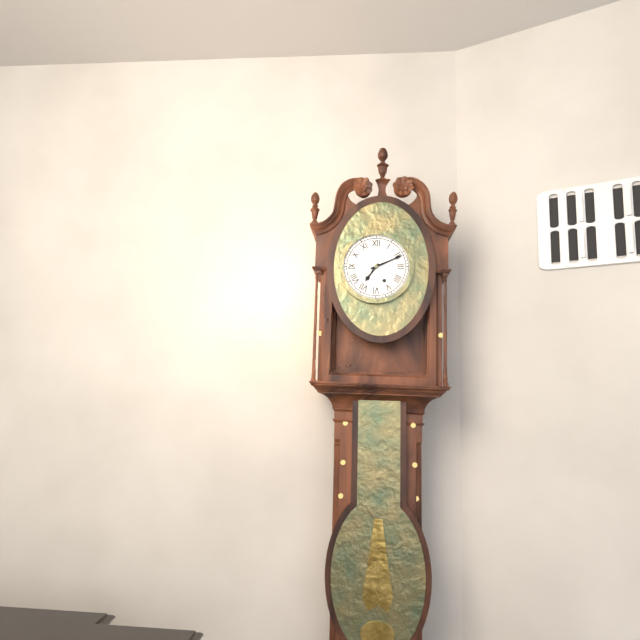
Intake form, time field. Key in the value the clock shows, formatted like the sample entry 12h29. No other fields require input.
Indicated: 7h11
